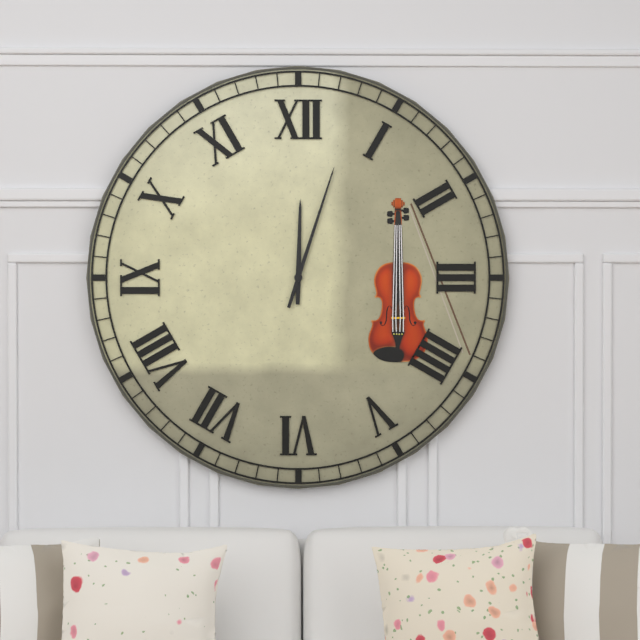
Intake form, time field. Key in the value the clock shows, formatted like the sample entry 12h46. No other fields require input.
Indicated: 12h03
